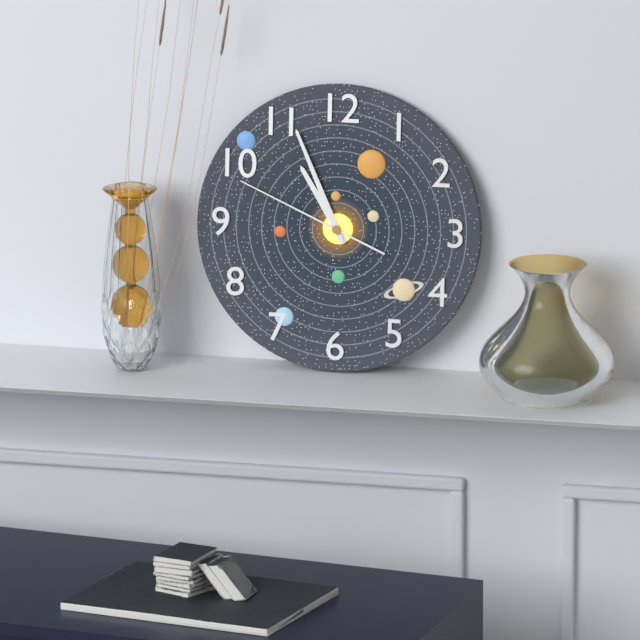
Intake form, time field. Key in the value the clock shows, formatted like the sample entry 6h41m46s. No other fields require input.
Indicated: 10h56m49s
